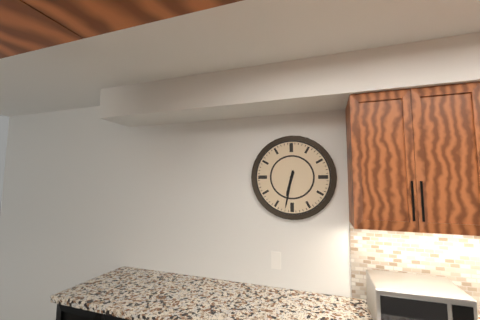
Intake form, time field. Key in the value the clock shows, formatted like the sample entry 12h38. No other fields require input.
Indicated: 6h32
